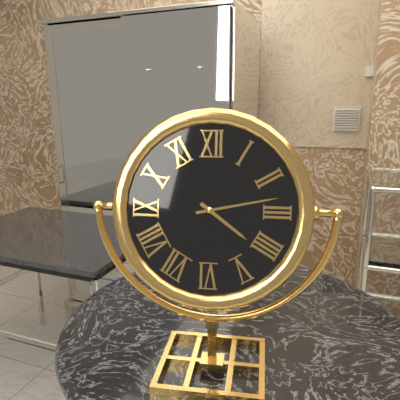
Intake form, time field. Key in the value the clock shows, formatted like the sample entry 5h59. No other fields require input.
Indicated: 4h13
